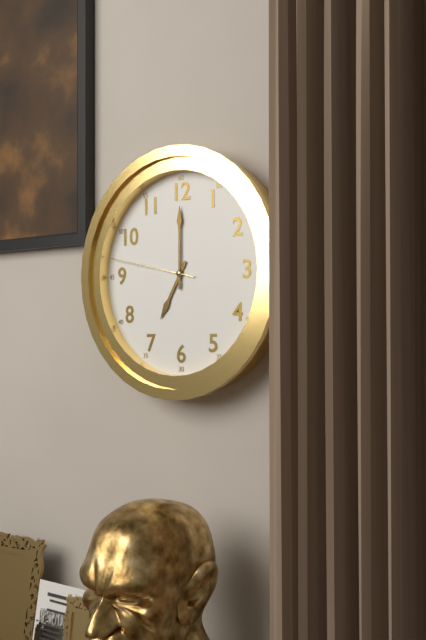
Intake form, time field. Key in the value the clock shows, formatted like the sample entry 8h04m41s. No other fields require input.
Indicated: 7h00m47s
